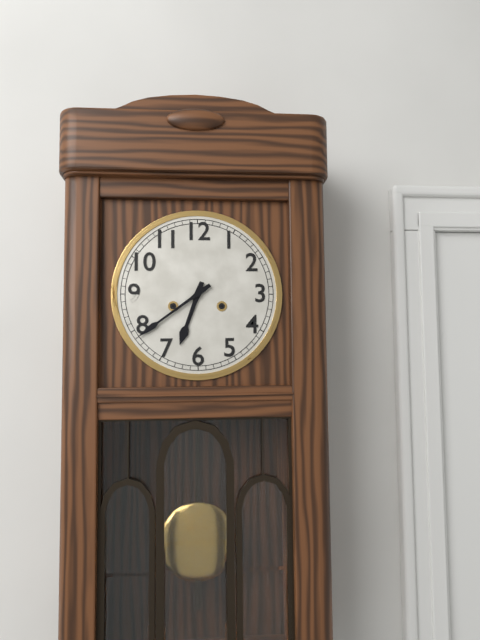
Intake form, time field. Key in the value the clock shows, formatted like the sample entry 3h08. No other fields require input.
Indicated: 6h39
